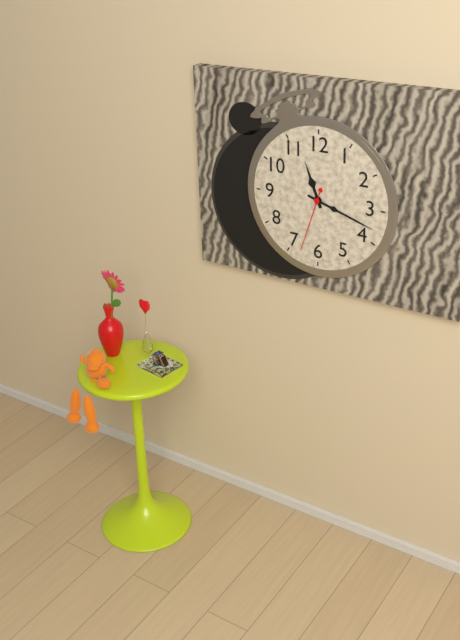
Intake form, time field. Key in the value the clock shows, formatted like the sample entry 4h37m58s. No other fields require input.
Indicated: 11h18m33s
